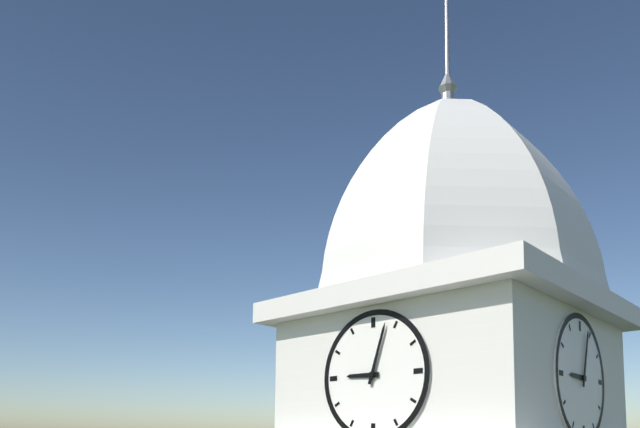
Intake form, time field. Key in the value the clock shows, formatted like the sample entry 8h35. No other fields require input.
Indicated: 9h03
